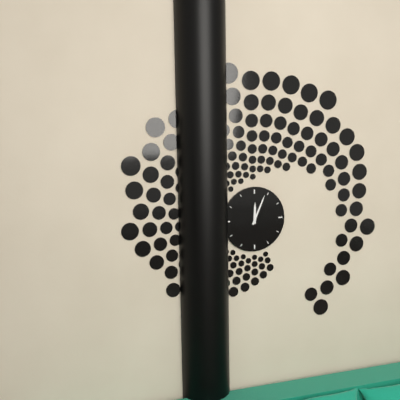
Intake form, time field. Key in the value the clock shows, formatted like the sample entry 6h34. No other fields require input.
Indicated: 12h04
